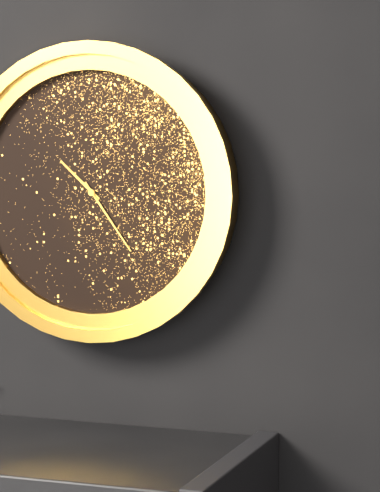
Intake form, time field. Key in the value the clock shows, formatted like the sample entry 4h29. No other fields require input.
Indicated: 10h24
